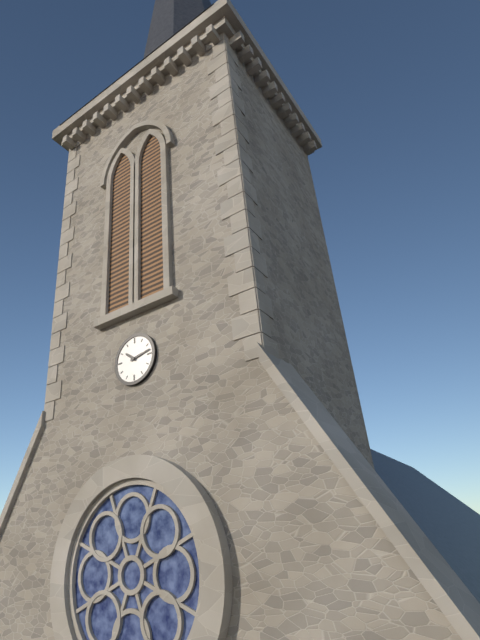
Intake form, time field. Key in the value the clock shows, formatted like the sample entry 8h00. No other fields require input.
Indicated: 10h13
